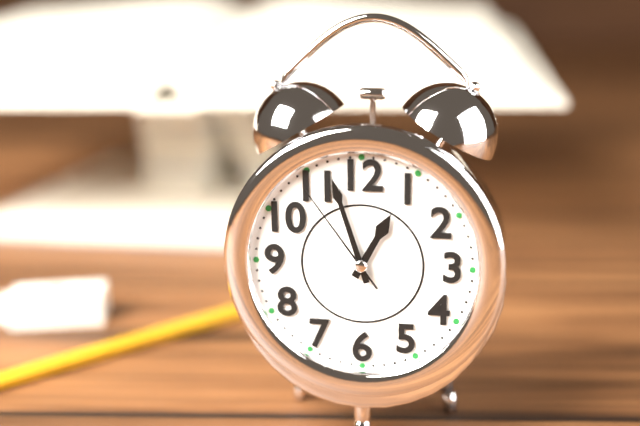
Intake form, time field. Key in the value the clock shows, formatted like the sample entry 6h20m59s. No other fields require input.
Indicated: 12h57m54s
